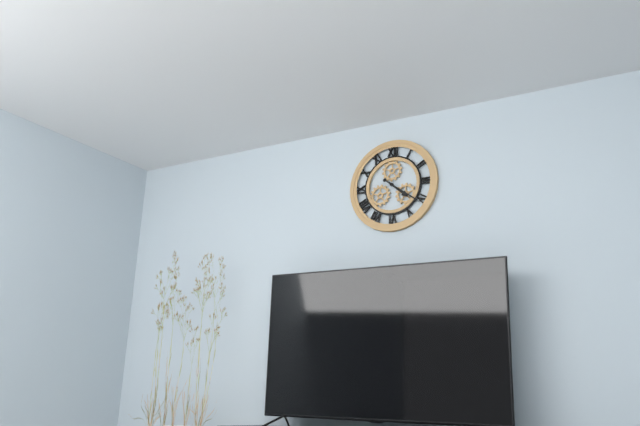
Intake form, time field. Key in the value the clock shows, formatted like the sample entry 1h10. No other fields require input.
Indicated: 4h21
